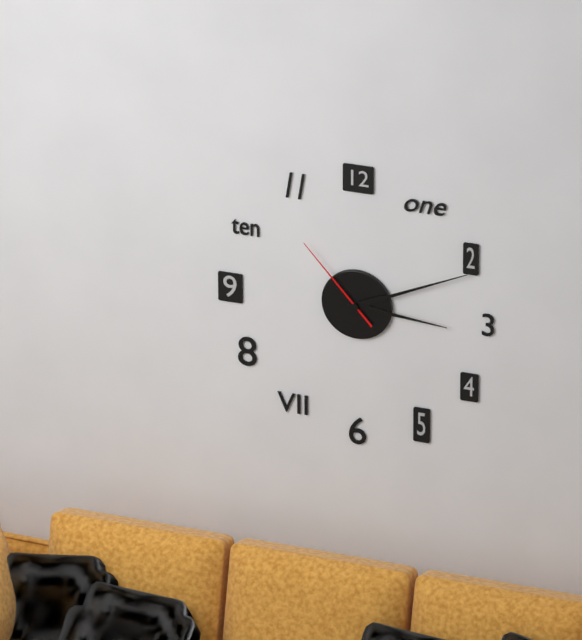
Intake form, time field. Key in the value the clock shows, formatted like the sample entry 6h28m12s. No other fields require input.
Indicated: 3h11m53s
